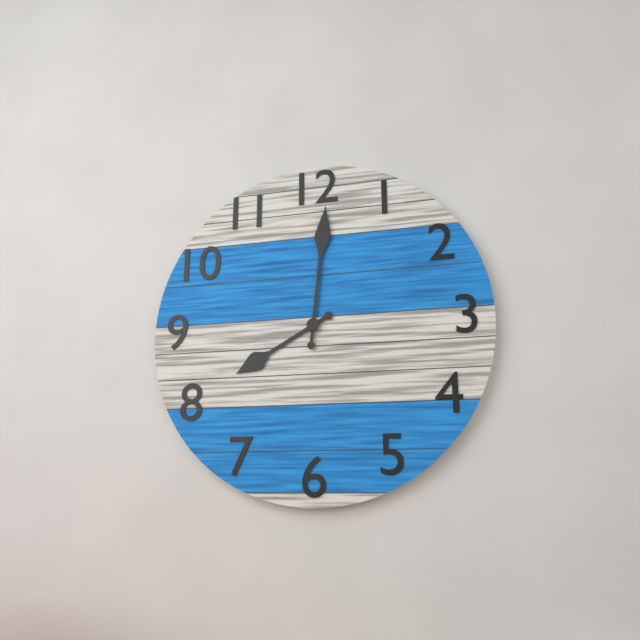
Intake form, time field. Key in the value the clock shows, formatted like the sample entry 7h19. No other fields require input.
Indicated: 8h01
